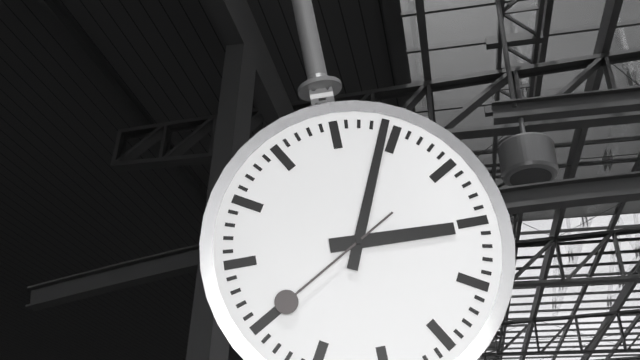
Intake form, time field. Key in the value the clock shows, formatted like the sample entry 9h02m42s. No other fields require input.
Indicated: 3h04m40s
